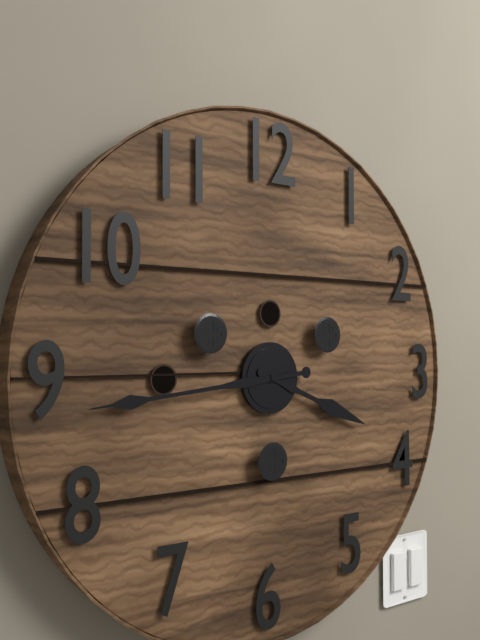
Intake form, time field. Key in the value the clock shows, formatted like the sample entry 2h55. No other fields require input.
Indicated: 3h44
